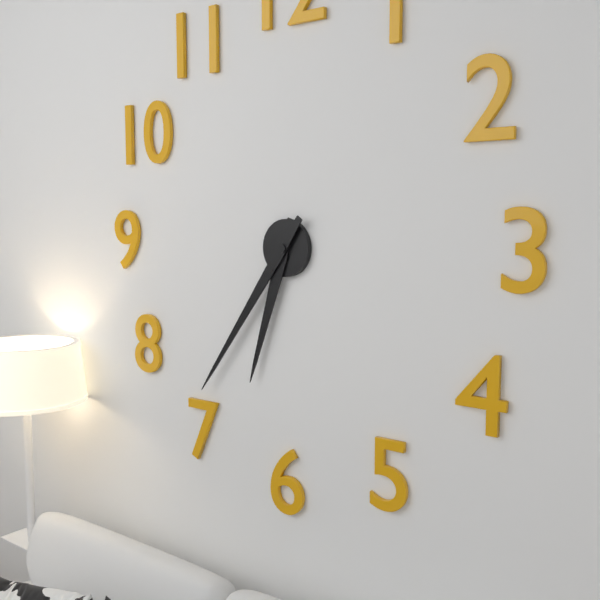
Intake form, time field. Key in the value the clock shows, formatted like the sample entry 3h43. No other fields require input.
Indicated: 6h36
